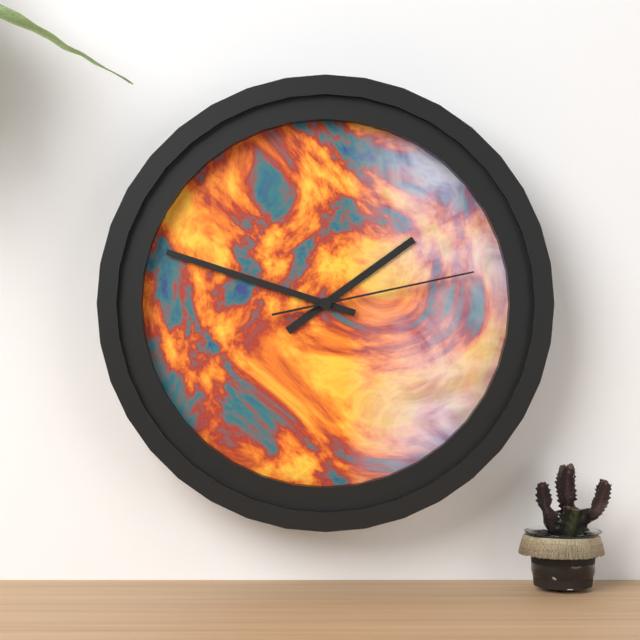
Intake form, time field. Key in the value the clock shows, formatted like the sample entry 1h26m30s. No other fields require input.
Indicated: 1h48m13s
